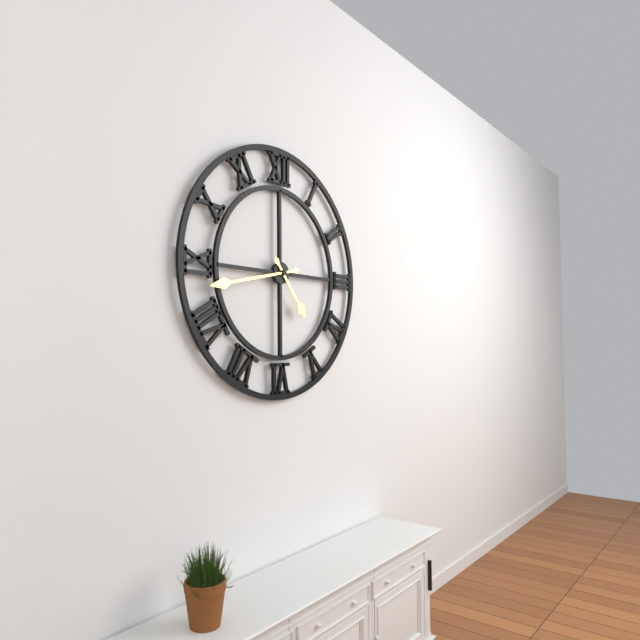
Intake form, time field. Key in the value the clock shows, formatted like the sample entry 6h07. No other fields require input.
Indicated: 4h43
